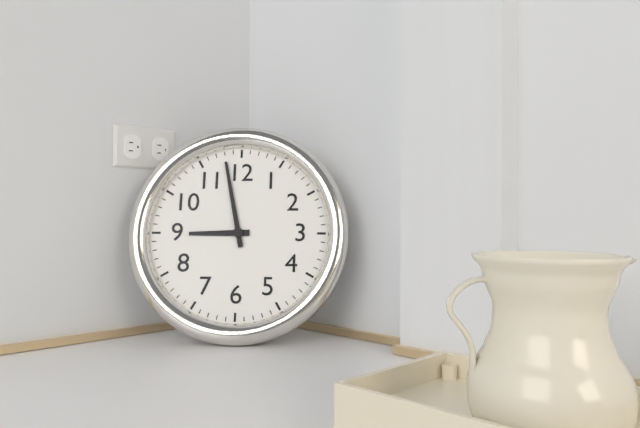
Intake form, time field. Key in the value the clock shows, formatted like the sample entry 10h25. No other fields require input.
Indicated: 8h58
